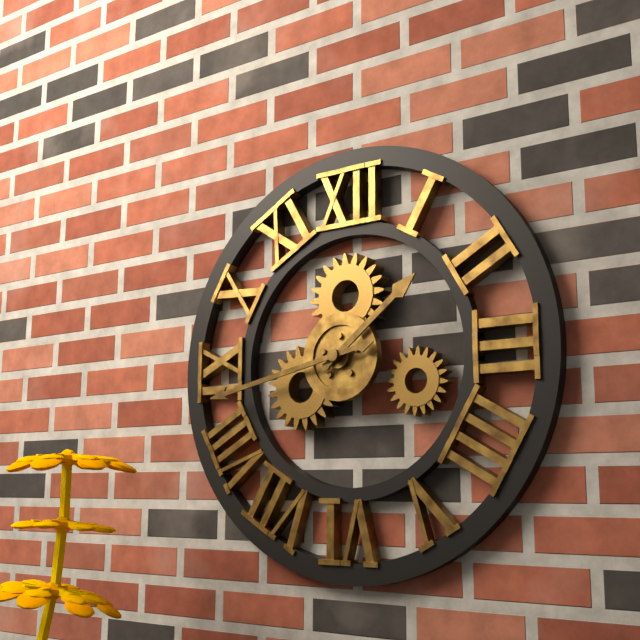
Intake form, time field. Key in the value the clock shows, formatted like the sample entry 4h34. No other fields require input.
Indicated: 1h43
